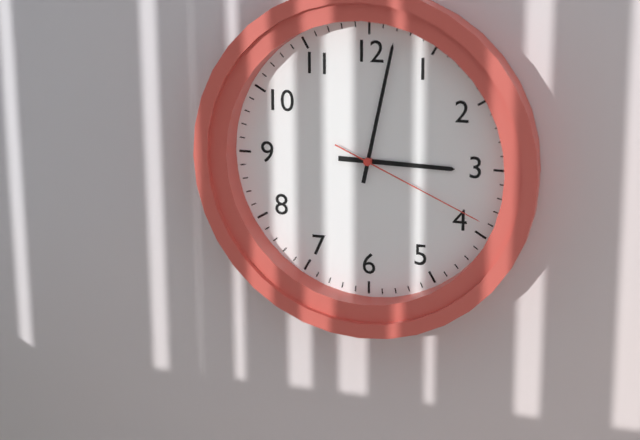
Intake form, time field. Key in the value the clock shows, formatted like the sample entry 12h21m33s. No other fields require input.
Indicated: 3h02m19s
